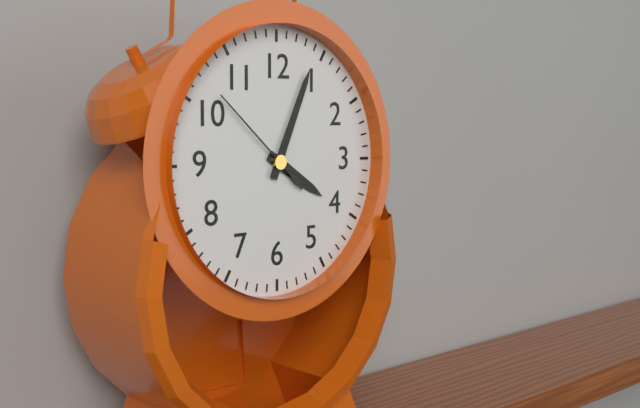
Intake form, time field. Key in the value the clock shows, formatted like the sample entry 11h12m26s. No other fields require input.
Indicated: 4h04m52s
